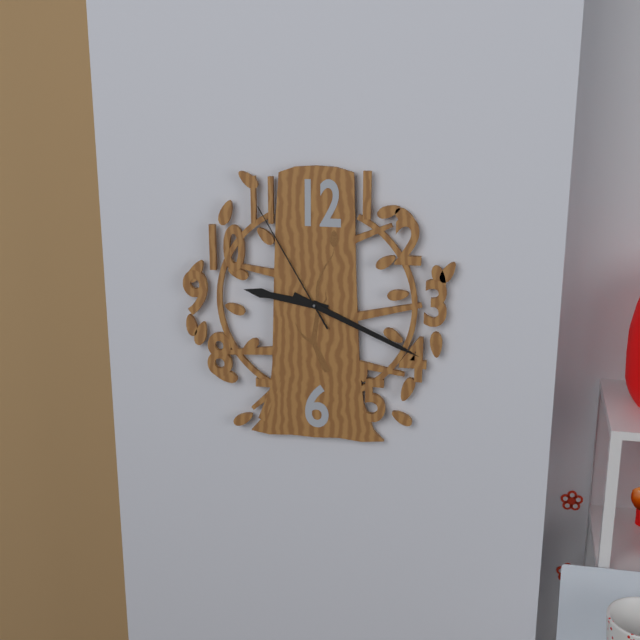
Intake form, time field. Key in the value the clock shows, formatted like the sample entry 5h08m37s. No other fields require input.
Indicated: 9h19m55s
